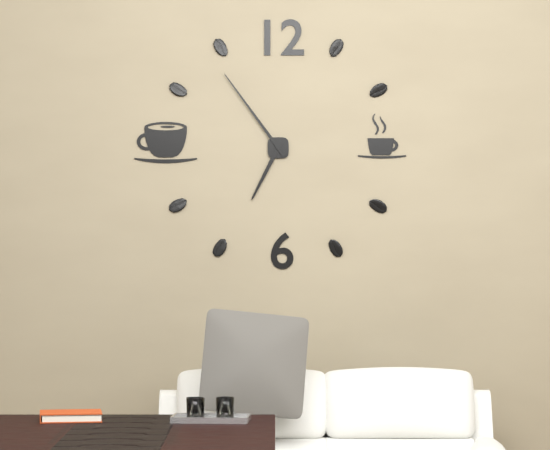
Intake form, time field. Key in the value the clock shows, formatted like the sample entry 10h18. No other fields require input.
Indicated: 6h54
